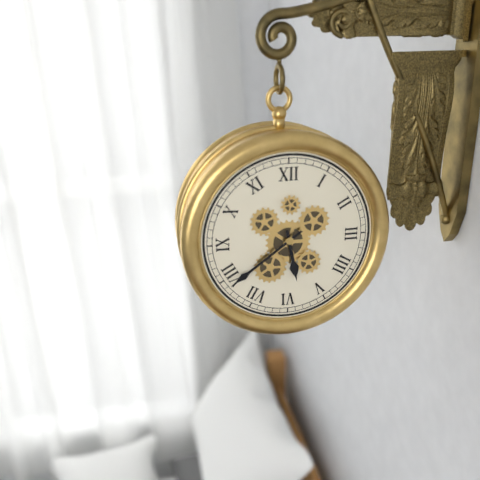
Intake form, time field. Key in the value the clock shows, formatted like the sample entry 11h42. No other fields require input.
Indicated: 5h39
